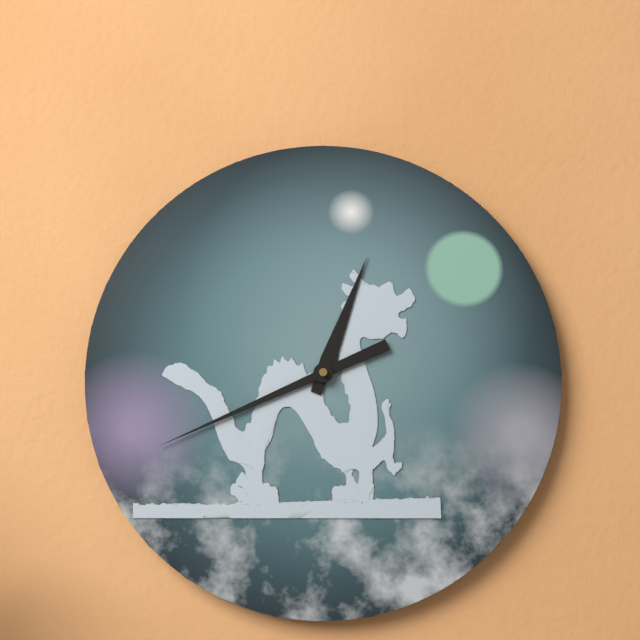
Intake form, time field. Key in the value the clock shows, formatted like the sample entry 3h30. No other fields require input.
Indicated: 12h41
